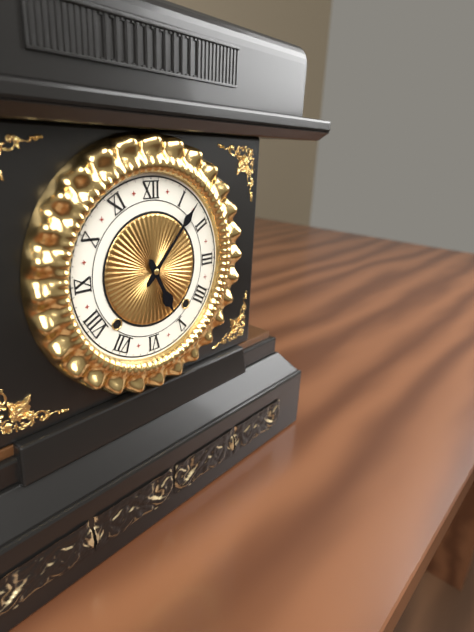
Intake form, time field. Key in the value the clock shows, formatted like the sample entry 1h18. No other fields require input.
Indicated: 5h07
